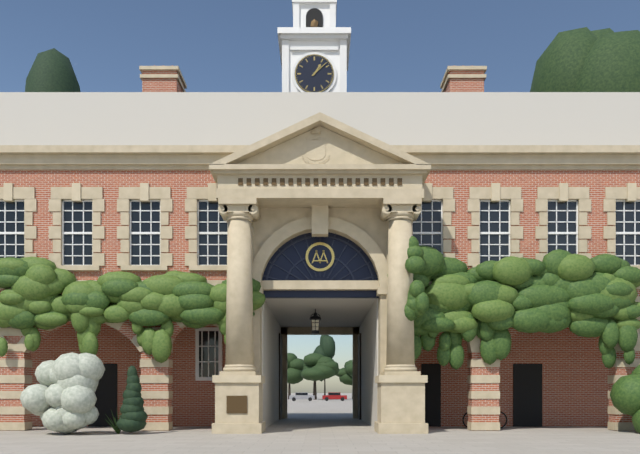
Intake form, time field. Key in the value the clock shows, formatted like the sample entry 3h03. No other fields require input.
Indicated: 1h08
